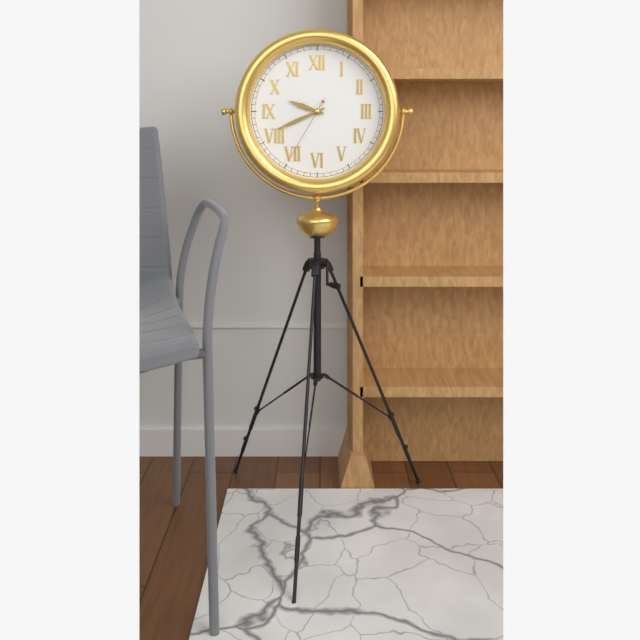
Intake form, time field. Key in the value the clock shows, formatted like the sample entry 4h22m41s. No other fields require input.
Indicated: 9h41m35s
